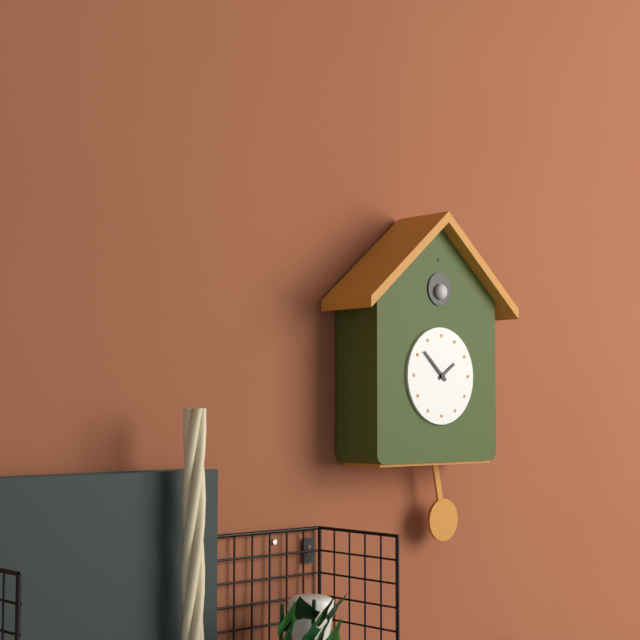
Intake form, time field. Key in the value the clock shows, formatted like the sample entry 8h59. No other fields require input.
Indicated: 1h52
